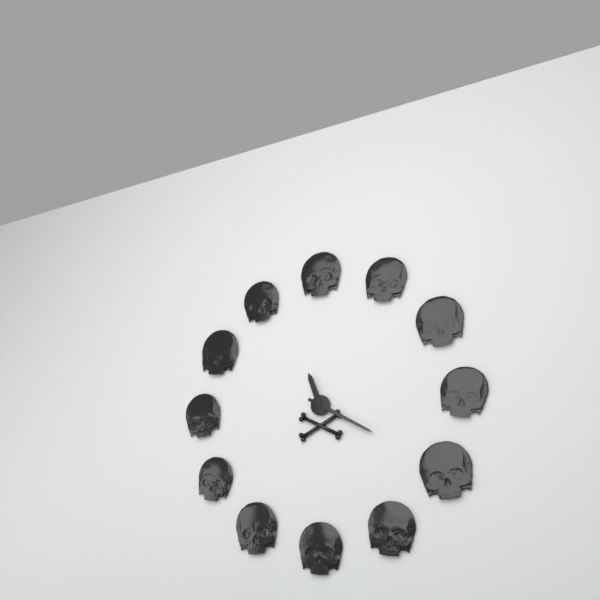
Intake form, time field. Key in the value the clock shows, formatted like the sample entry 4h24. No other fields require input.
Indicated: 11h20
